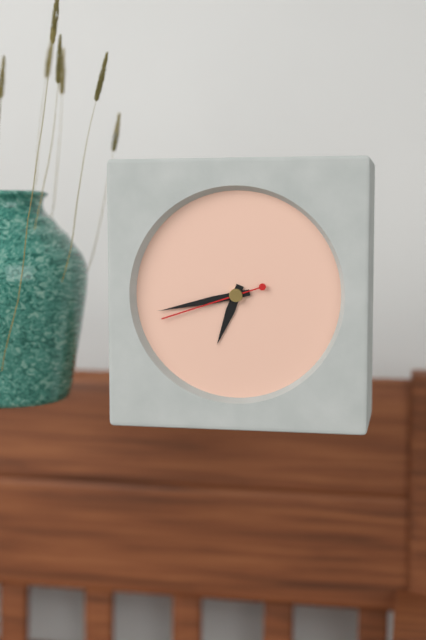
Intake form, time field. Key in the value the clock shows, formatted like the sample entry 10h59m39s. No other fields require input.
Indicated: 6h43m42s
